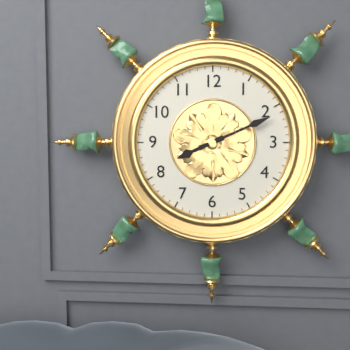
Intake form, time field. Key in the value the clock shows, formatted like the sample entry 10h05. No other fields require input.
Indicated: 8h11
